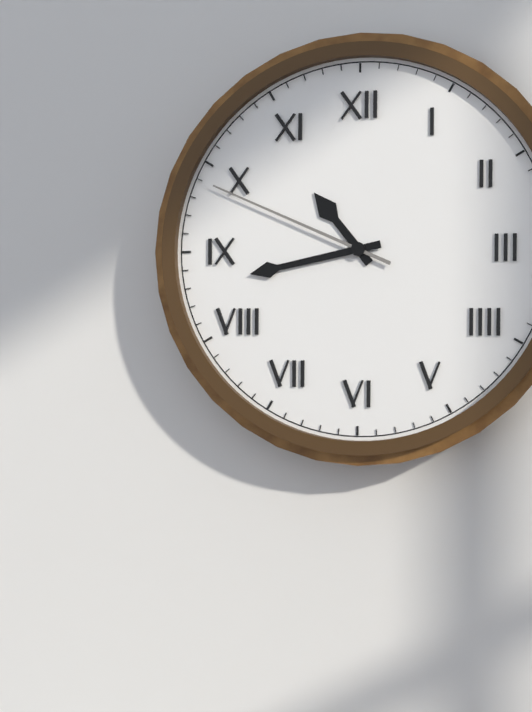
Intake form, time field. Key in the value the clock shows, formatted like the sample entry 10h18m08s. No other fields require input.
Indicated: 10h43m49s
